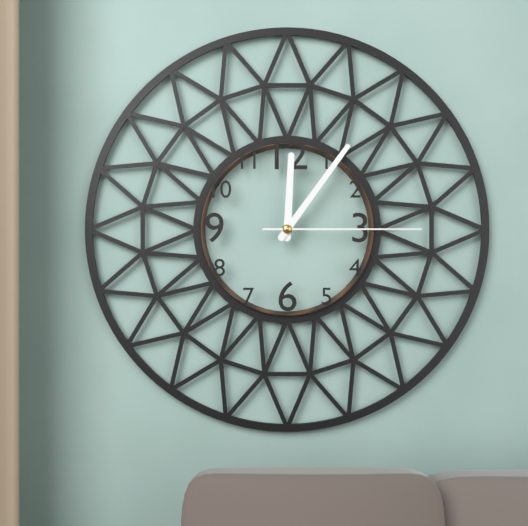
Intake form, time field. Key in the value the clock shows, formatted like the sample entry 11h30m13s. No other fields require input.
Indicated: 12h06m15s
